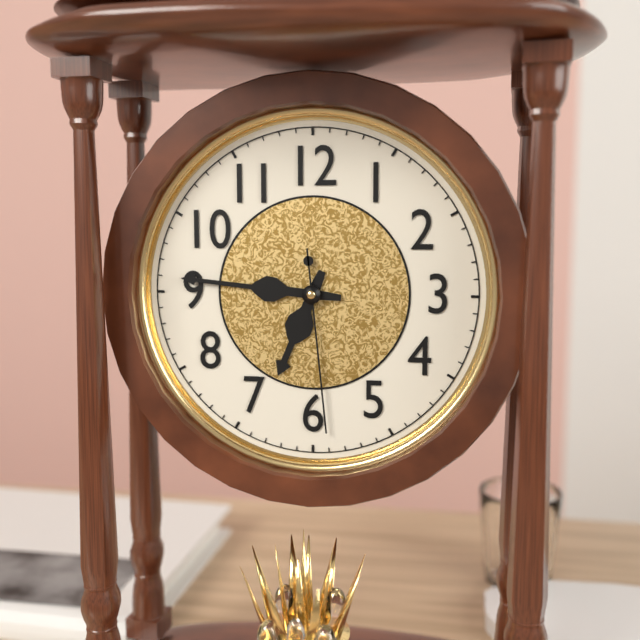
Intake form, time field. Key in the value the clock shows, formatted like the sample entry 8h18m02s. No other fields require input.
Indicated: 6h46m29s
